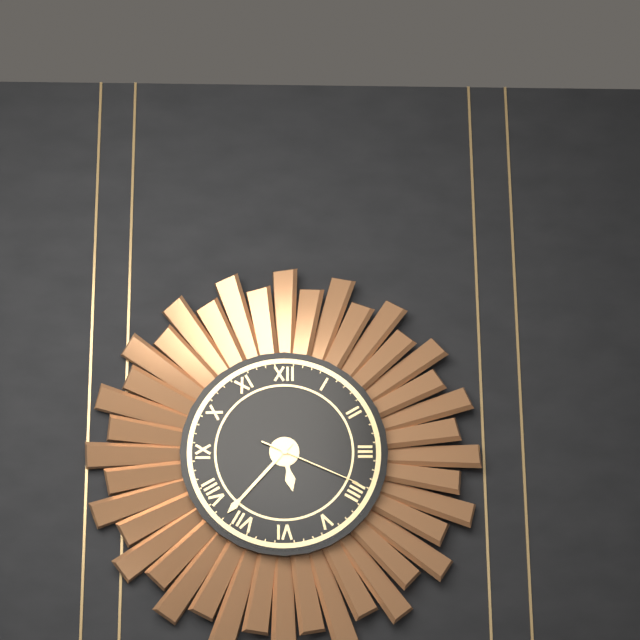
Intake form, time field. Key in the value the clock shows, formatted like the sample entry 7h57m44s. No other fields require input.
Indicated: 5h37m19s
